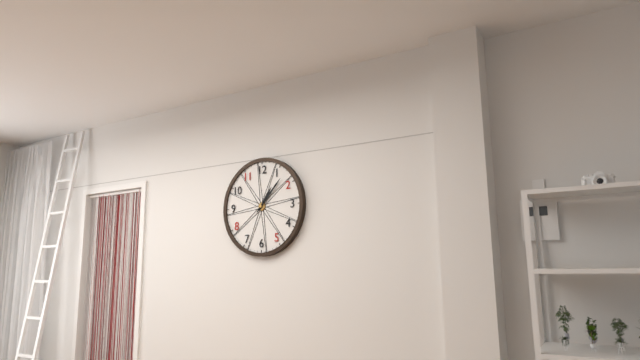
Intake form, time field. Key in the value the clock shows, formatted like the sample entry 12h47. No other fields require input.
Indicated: 1h07
